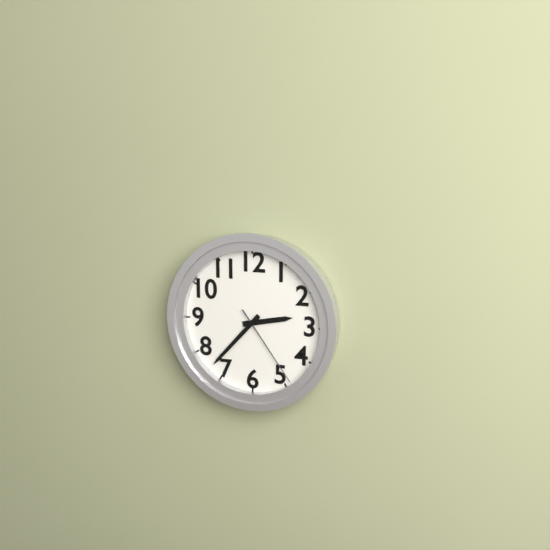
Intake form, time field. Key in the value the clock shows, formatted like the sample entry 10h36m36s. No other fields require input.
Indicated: 2h37m24s
